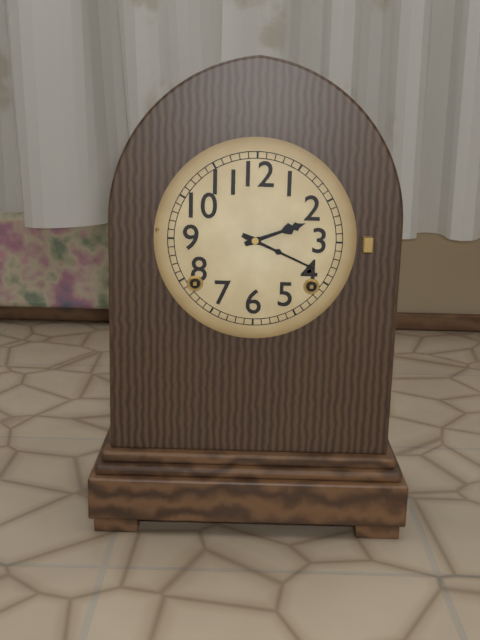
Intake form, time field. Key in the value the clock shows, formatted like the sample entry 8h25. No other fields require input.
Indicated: 2h19
